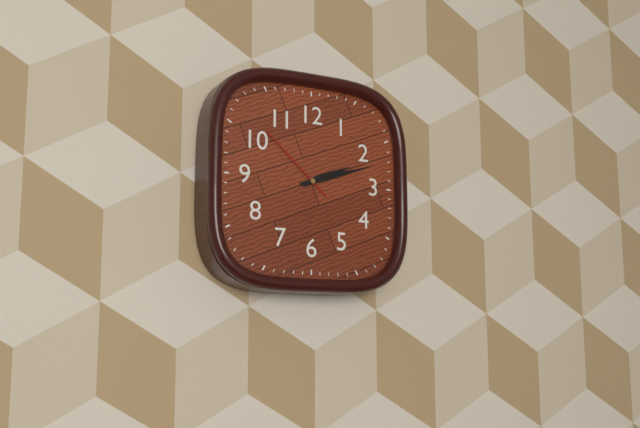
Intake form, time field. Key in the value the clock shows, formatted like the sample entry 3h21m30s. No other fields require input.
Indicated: 2h12m52s
